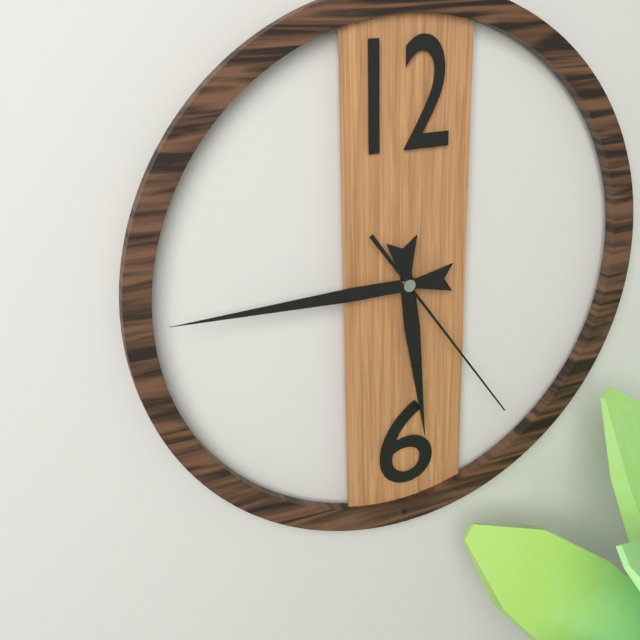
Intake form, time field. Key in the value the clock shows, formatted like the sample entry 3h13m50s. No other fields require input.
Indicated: 5h45m24s
